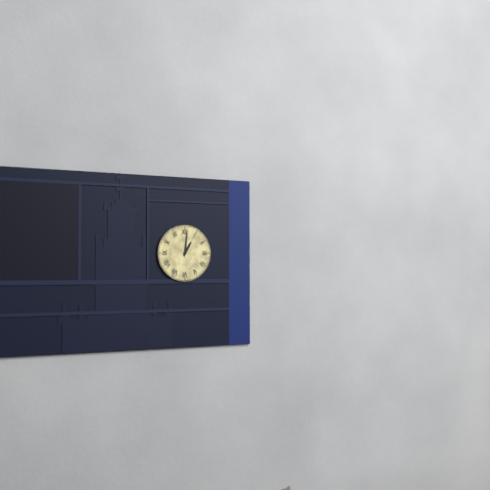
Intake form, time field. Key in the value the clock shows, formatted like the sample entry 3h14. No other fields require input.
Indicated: 1h01
